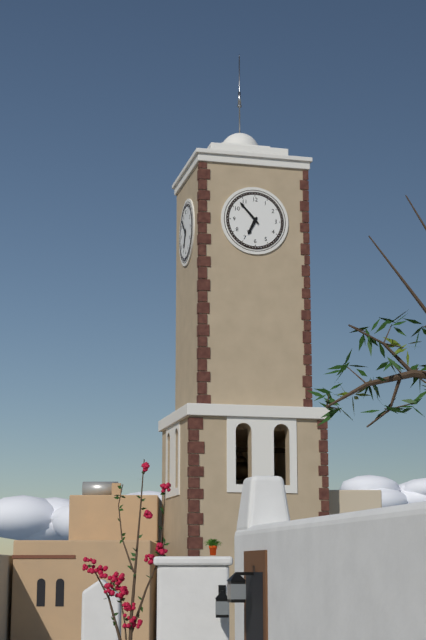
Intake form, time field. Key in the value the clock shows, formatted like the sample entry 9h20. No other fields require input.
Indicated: 6h53
